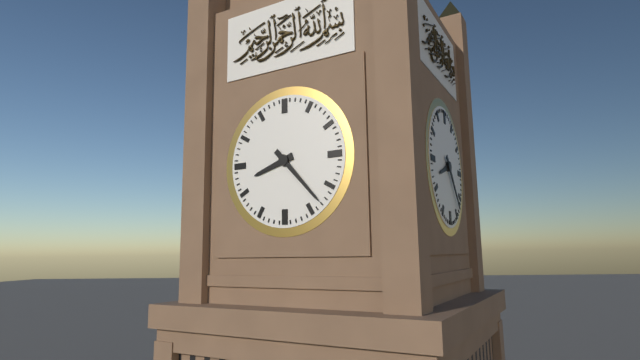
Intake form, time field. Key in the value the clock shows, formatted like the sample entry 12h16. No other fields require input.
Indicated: 8h23
